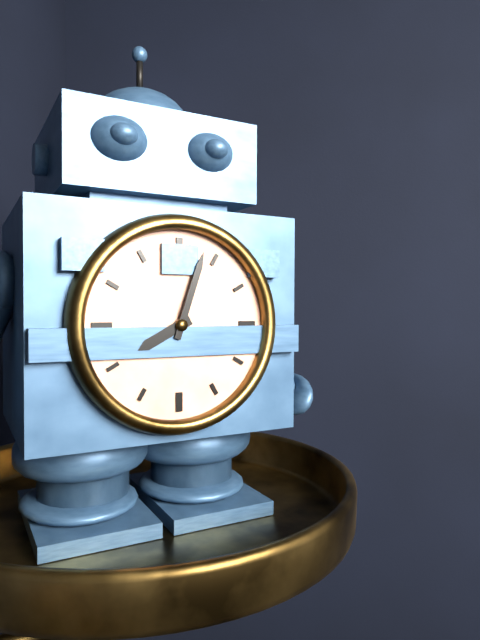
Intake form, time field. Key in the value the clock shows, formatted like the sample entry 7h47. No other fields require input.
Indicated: 8h03
